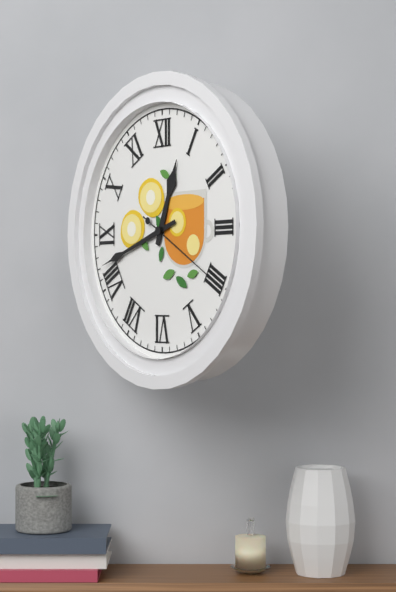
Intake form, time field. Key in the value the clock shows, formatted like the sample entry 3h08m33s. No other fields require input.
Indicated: 12h42m20s
